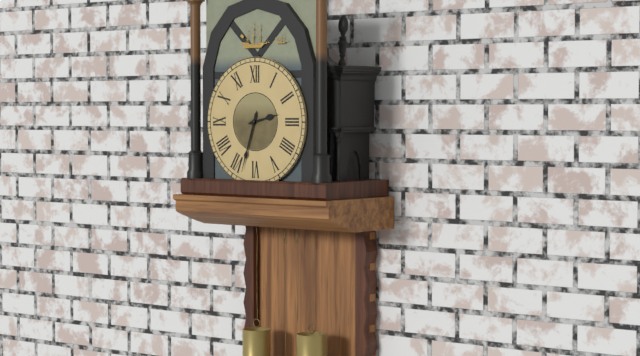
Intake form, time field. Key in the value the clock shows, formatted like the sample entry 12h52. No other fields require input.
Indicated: 2h33
